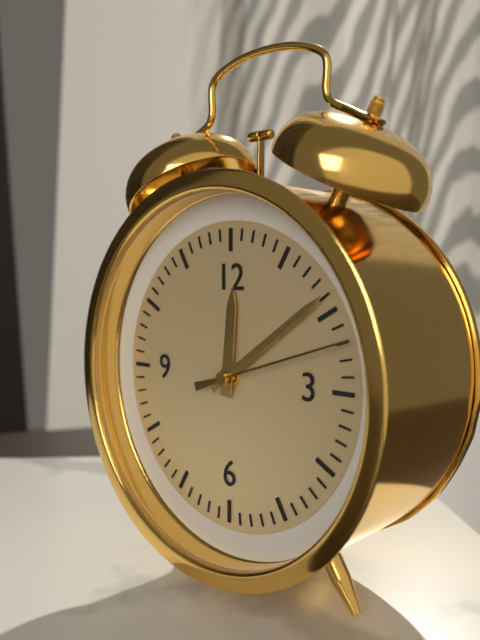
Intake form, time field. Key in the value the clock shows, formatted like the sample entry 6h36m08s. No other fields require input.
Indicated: 12h09m12s
